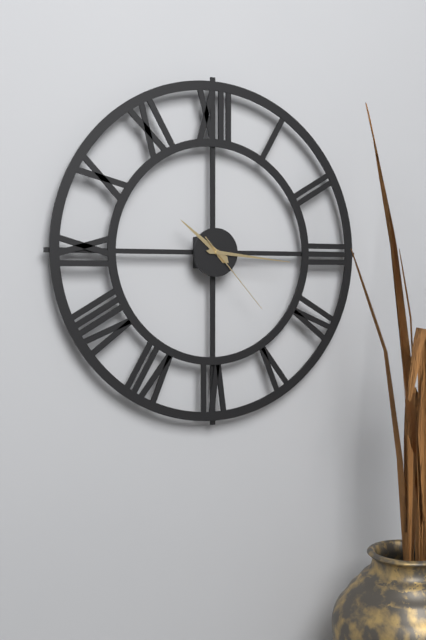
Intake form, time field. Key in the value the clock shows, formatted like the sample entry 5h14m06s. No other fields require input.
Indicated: 10h16m23s
